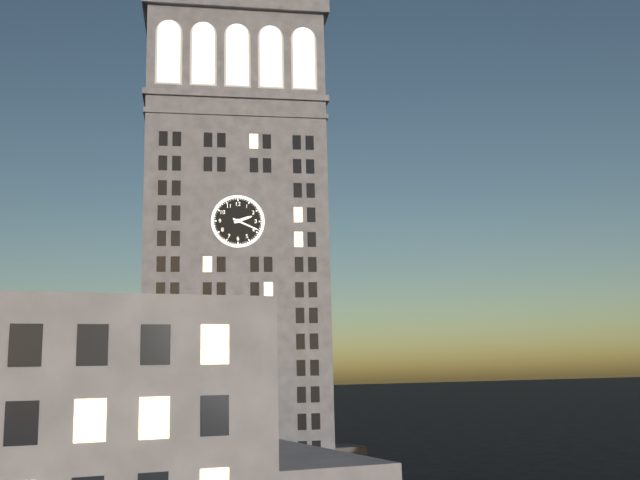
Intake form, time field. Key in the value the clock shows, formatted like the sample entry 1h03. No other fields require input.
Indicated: 2h19
